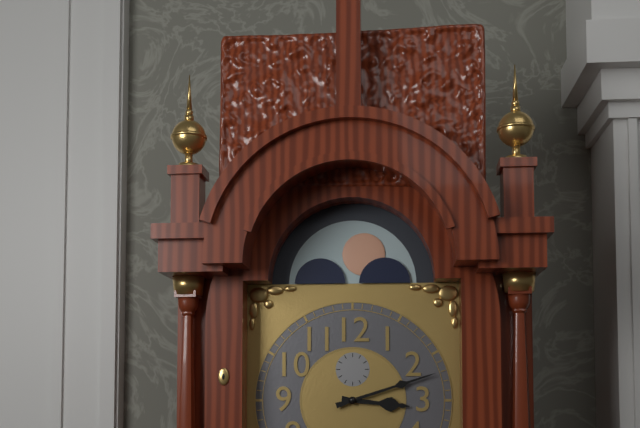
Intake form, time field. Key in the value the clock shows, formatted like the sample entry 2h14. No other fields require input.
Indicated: 3h12
